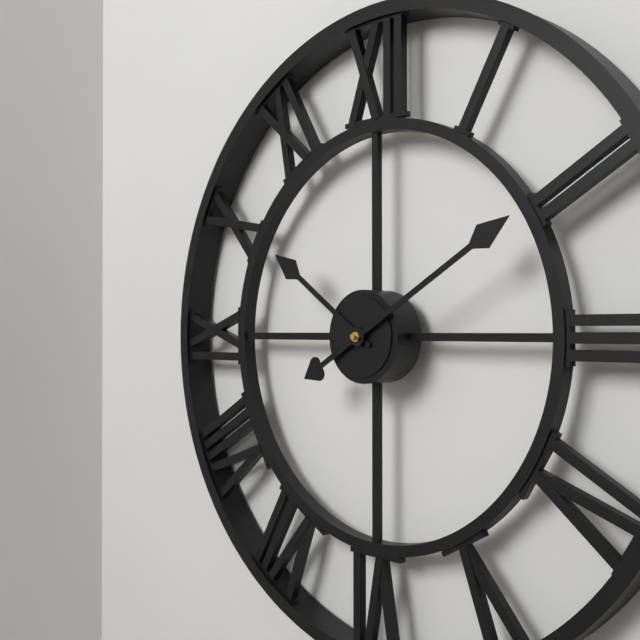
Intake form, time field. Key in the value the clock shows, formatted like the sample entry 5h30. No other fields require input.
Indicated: 10h10
